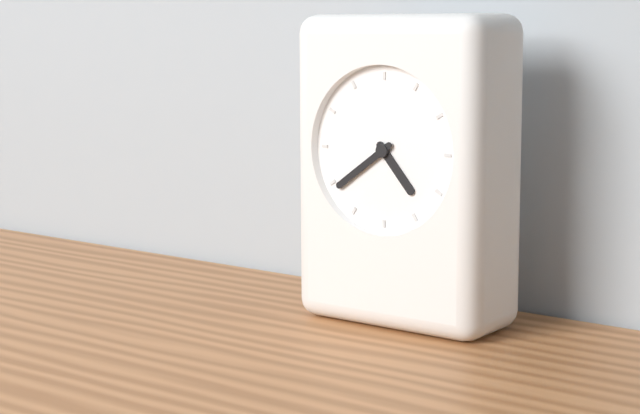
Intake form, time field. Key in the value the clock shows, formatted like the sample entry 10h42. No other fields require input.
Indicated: 4h39
